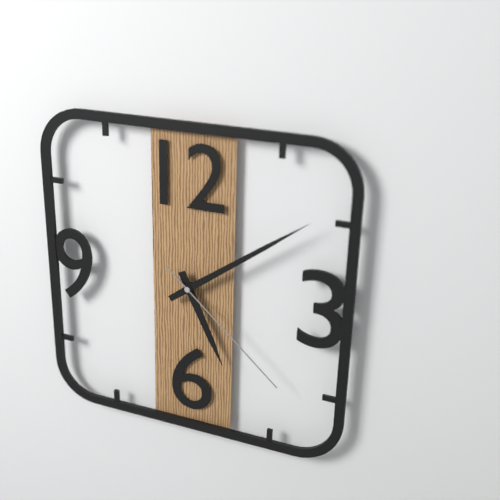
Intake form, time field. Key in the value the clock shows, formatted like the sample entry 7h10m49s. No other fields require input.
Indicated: 5h09m22s
